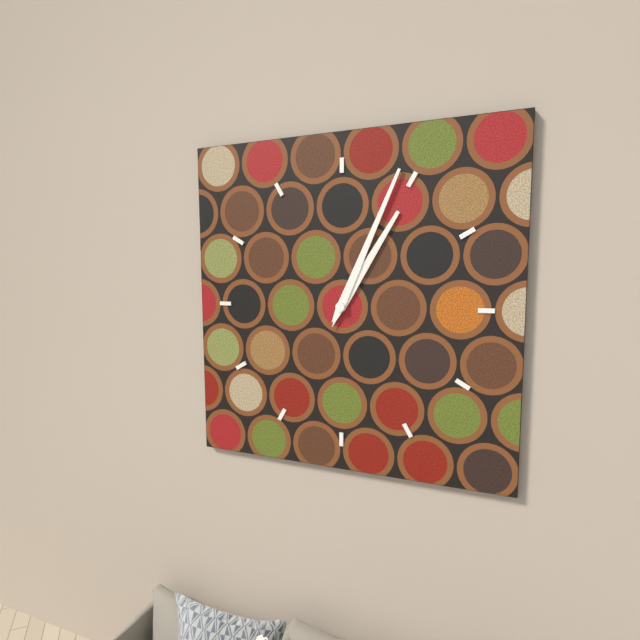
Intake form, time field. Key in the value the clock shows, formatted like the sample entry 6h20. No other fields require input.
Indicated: 1h04
